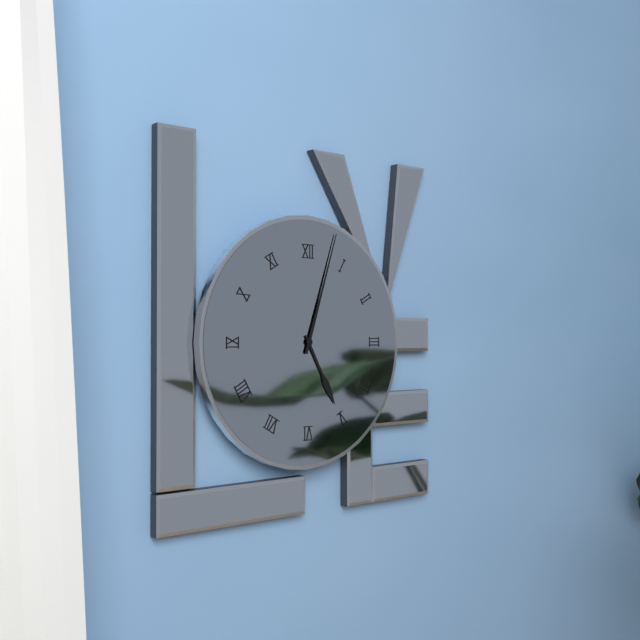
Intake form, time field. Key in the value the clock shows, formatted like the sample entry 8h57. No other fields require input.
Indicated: 5h03
